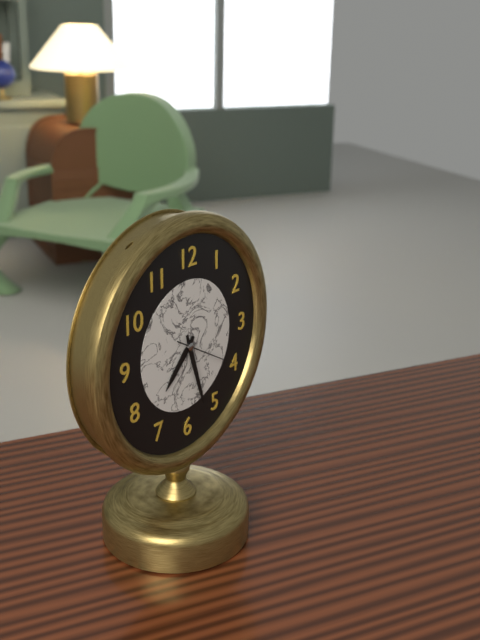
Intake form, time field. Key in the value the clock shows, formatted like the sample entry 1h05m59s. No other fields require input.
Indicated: 7h27m20s
